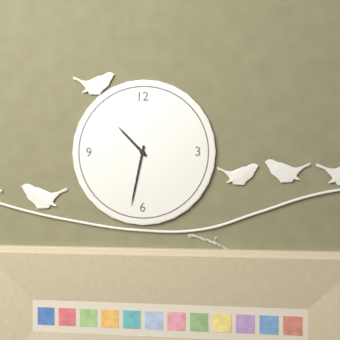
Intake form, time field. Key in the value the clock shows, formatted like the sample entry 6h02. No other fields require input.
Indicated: 10h32
